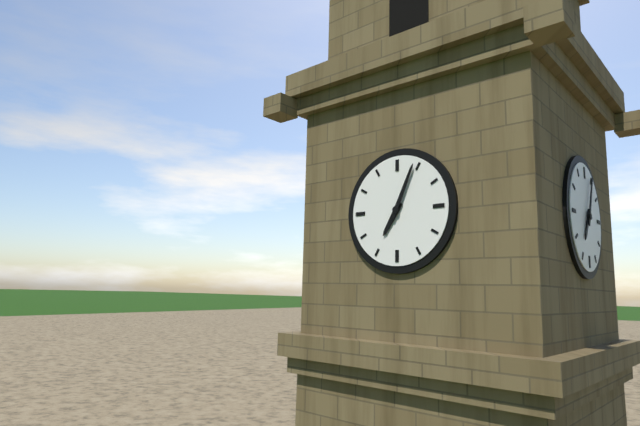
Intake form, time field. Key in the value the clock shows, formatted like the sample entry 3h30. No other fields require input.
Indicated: 7h04
